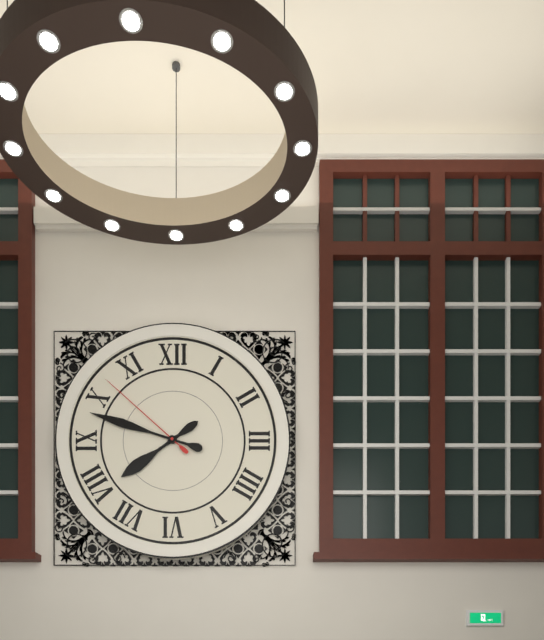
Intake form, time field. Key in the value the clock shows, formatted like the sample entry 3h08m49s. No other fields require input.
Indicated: 7h48m52s
